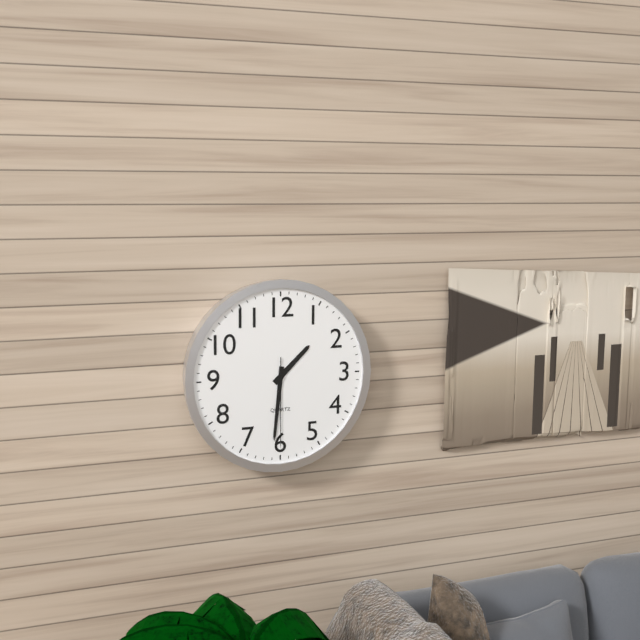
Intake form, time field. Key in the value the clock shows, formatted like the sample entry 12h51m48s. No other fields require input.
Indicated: 1h31m30s
